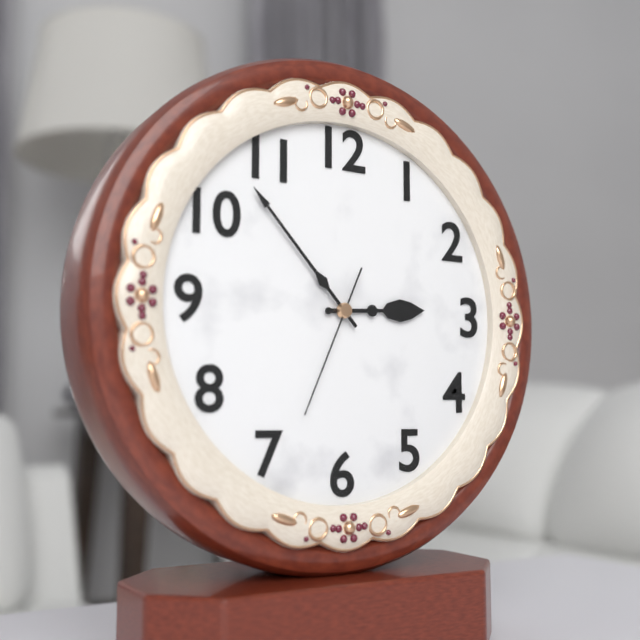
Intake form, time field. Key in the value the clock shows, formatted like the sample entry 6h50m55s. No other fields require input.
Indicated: 2h53m34s
